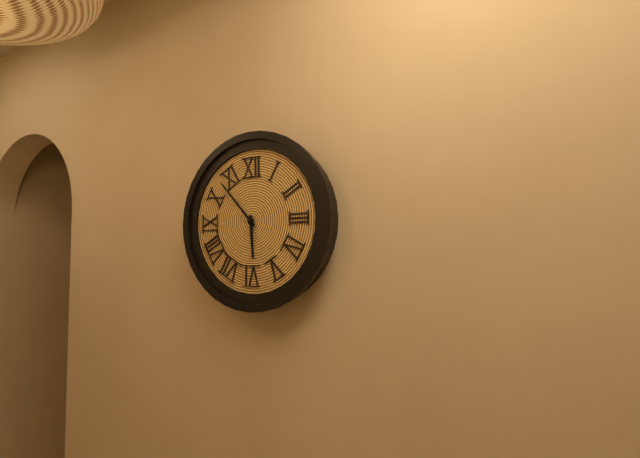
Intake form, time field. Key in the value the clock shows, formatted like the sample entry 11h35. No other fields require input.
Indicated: 5h53
